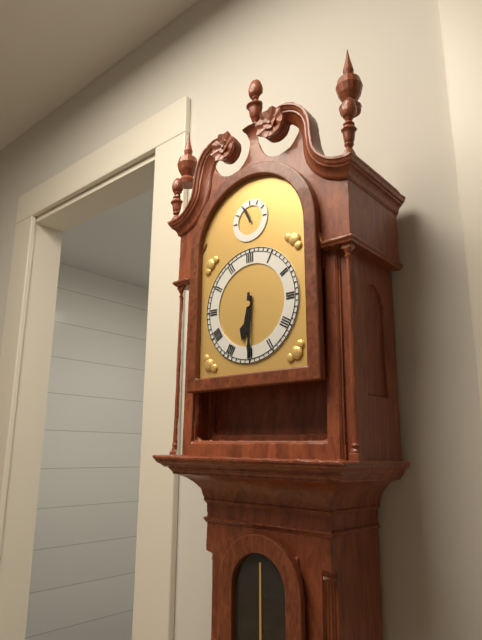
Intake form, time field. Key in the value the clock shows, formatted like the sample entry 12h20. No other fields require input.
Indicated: 6h30
